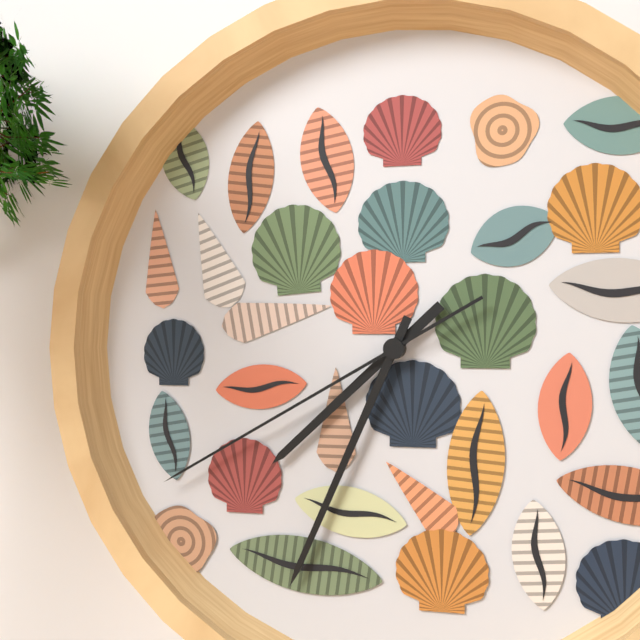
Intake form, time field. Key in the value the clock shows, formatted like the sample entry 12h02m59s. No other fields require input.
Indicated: 7h34m40s
